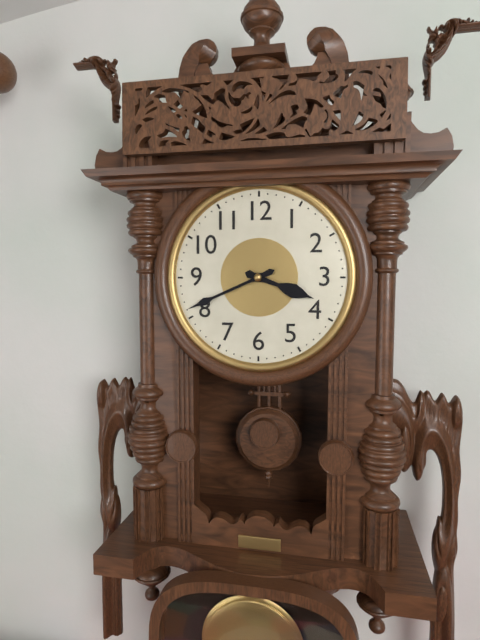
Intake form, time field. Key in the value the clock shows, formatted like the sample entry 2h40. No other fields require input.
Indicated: 3h41
